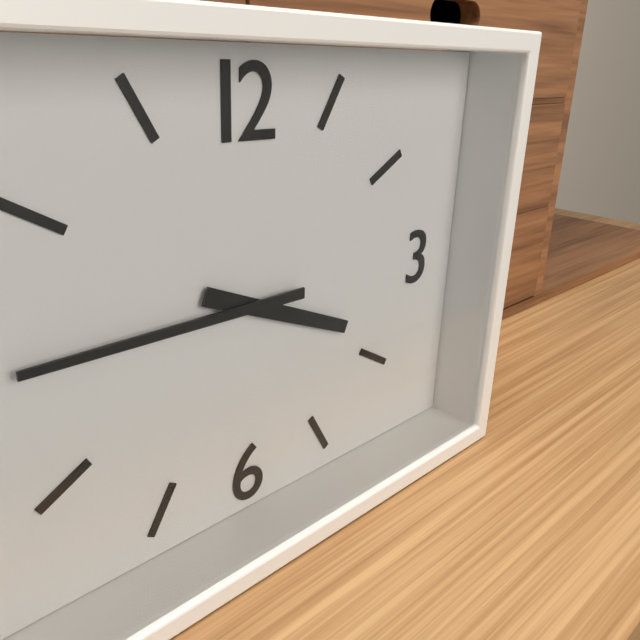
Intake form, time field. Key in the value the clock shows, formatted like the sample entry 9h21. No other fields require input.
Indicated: 3h45
